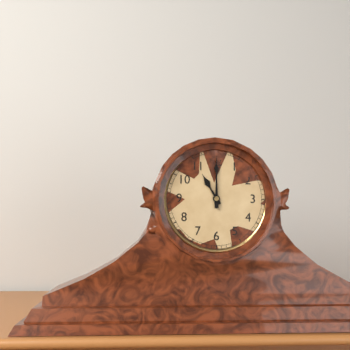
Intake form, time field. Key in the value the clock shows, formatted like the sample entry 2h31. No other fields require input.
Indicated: 11h00
